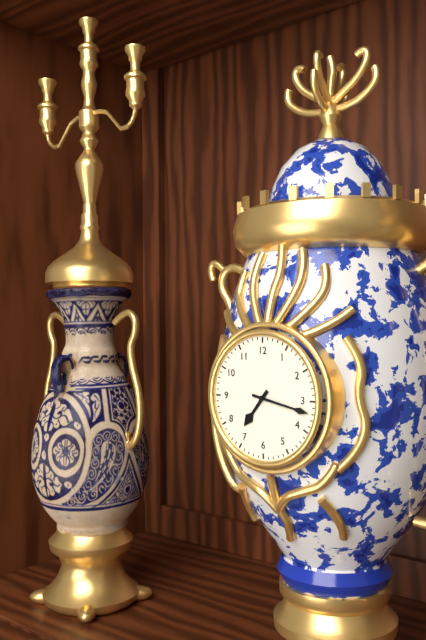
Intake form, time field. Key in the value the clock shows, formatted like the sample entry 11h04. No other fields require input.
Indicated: 7h17
